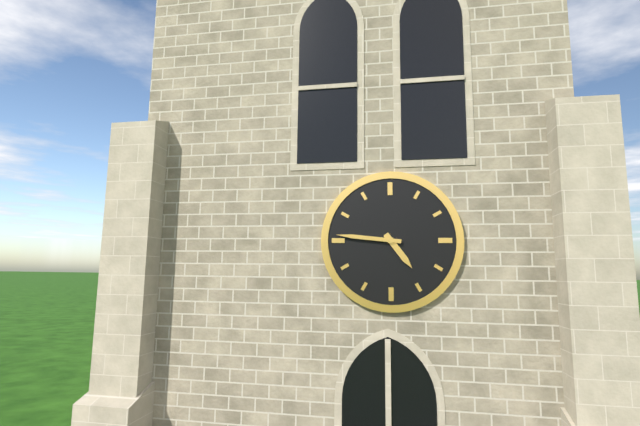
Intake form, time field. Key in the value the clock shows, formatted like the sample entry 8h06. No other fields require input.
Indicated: 4h46
